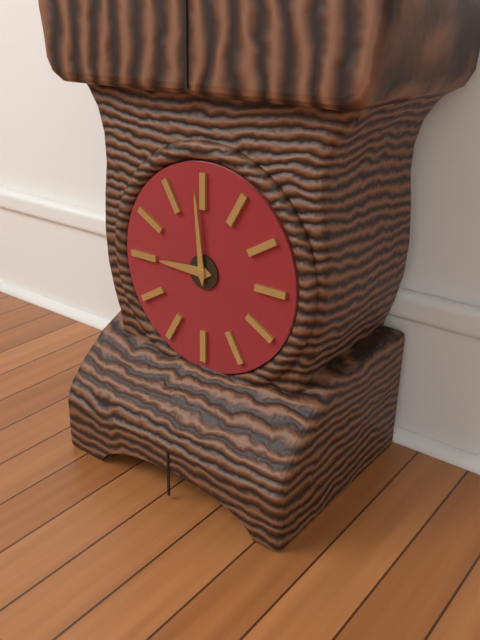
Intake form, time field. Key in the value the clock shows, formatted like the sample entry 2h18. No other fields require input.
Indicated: 8h59
